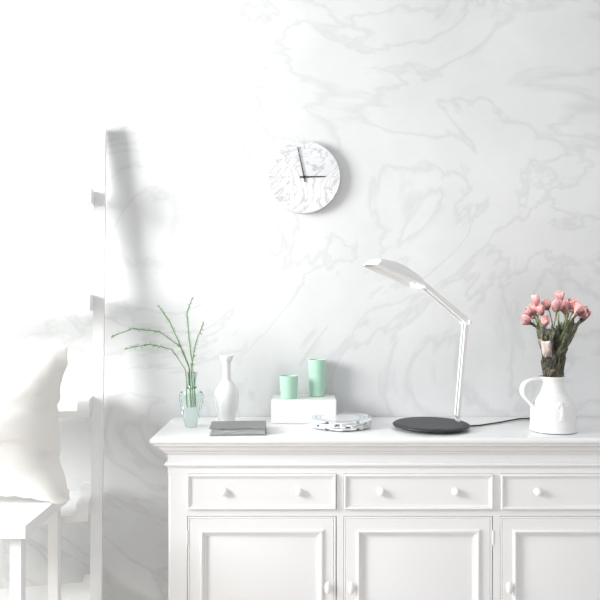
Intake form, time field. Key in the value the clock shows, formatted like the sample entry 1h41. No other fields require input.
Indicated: 2h58
